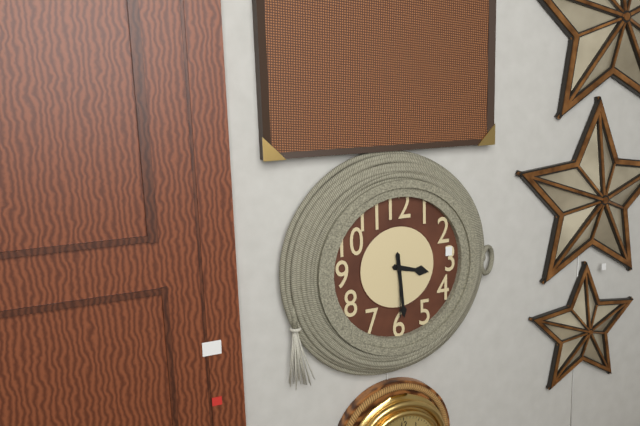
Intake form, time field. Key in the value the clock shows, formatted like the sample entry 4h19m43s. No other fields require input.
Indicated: 3h29m30s
